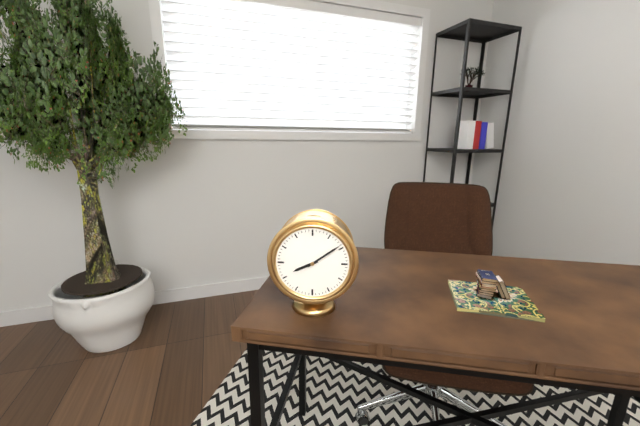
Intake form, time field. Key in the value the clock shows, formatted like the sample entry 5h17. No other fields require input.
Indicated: 8h09
